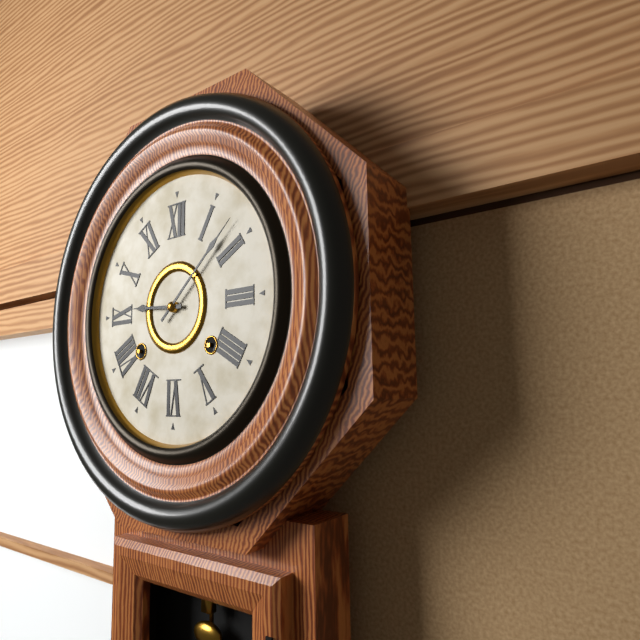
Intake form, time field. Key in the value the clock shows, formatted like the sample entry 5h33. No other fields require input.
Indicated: 9h08
